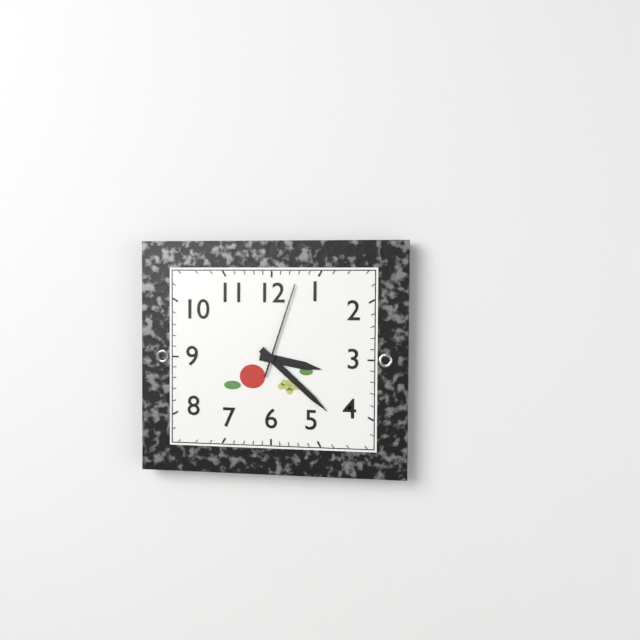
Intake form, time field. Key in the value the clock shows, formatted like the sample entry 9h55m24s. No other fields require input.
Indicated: 3h22m03s
